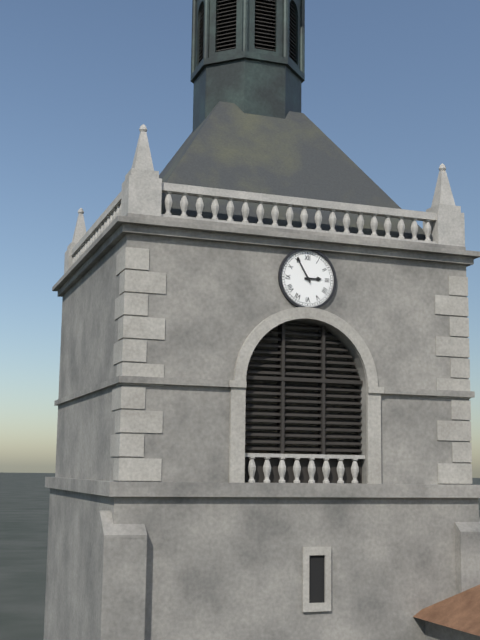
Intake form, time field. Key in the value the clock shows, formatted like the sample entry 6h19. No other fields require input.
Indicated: 2h55
